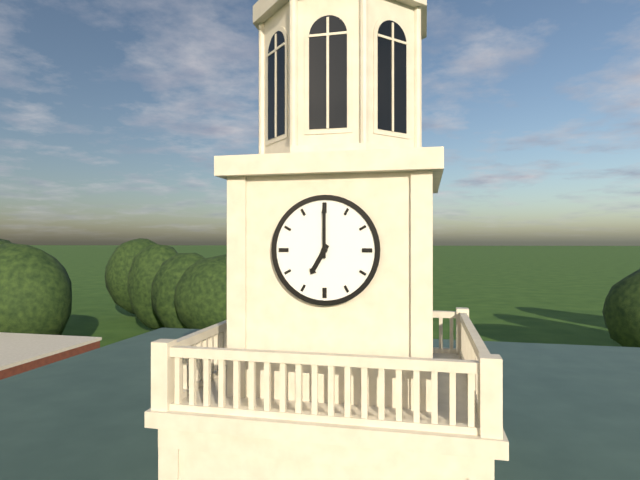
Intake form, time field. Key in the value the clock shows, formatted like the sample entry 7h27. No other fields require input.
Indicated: 7h00
